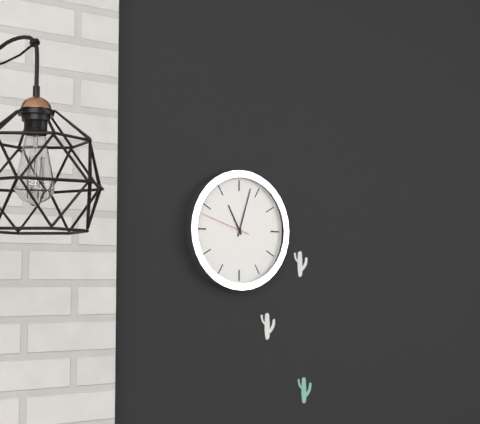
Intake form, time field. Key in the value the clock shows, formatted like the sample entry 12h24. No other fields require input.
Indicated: 11h03
